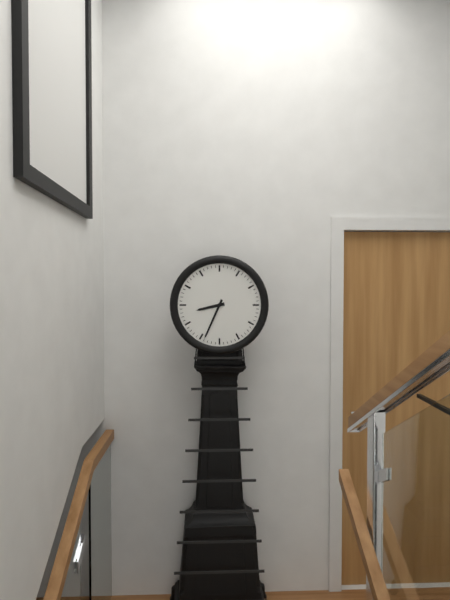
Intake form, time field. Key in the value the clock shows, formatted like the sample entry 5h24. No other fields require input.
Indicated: 8h34
